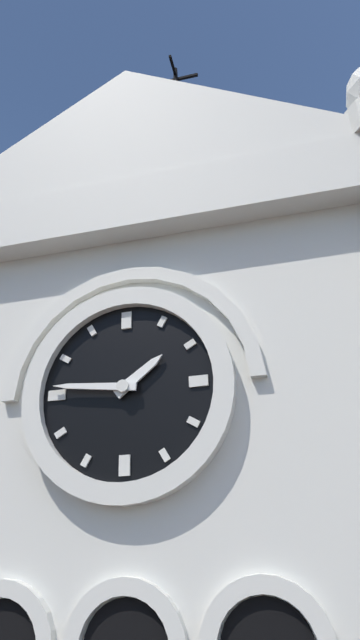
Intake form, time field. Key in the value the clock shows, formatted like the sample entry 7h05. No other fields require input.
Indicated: 1h46
